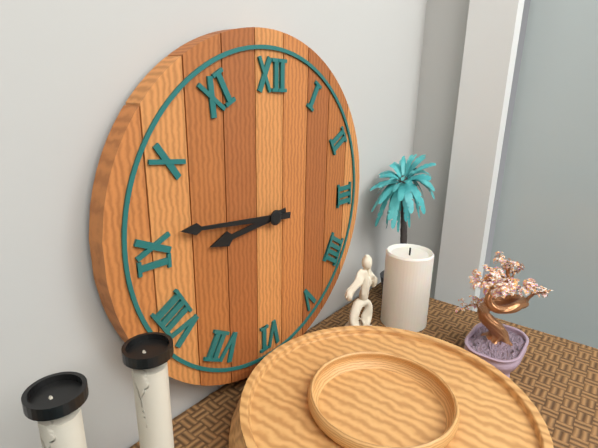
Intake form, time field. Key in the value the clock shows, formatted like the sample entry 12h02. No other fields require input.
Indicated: 8h46
